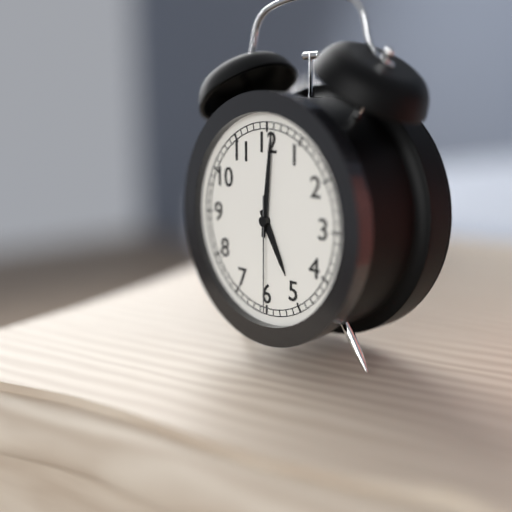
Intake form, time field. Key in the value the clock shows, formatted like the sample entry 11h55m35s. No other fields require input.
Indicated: 5h01m30s
